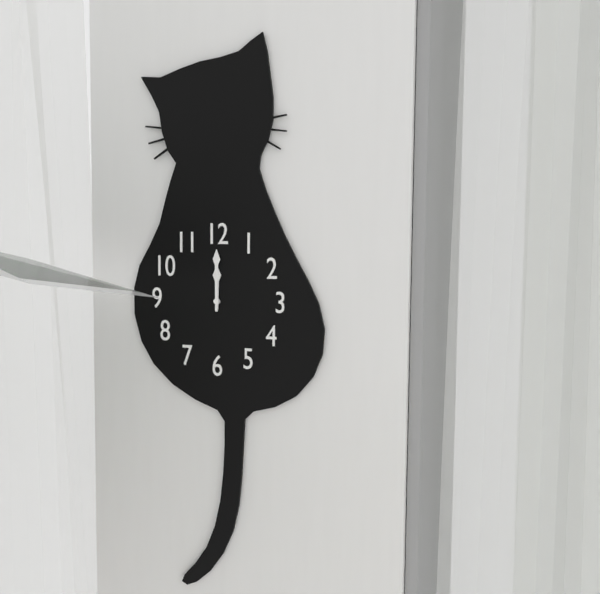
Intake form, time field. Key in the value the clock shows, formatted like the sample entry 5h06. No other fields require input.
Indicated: 12h00
